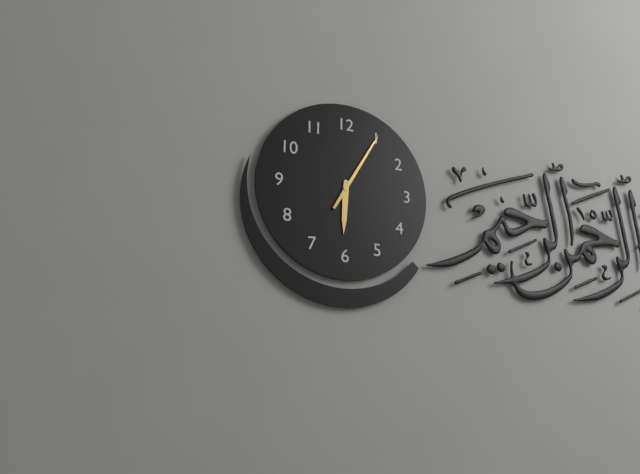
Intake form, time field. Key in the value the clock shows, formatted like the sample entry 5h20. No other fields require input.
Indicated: 6h05
